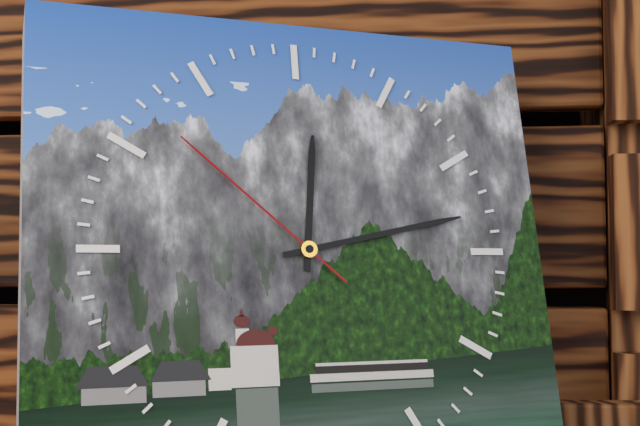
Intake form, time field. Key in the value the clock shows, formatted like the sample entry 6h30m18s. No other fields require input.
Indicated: 12h13m52s
